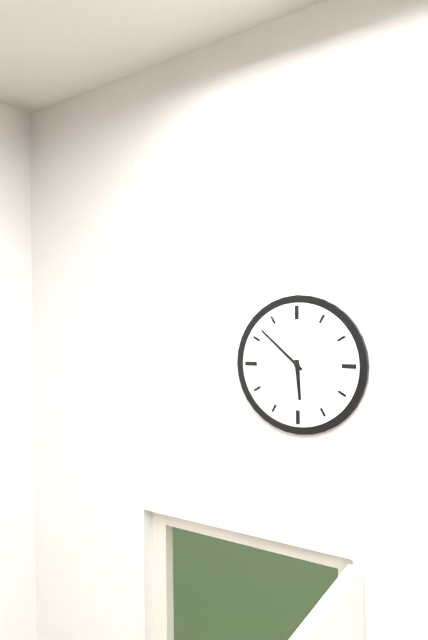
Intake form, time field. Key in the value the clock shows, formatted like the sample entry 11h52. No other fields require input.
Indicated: 5h52
